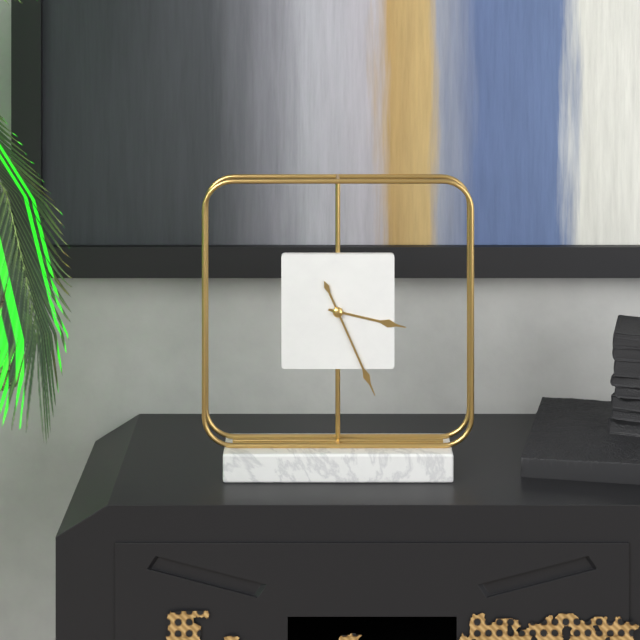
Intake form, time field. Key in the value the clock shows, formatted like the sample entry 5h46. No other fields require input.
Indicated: 3h26
